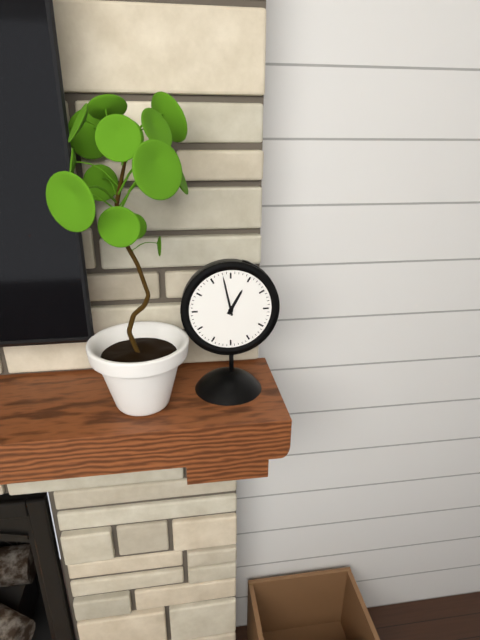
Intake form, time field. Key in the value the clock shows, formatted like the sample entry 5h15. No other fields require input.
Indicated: 12h58
